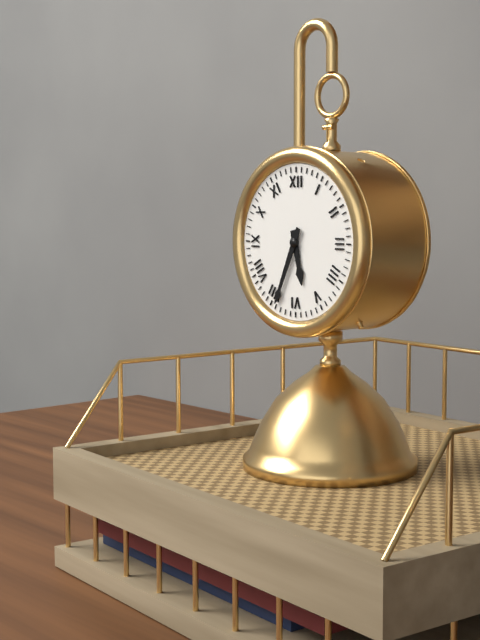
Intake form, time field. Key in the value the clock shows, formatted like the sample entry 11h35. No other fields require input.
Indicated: 5h34
